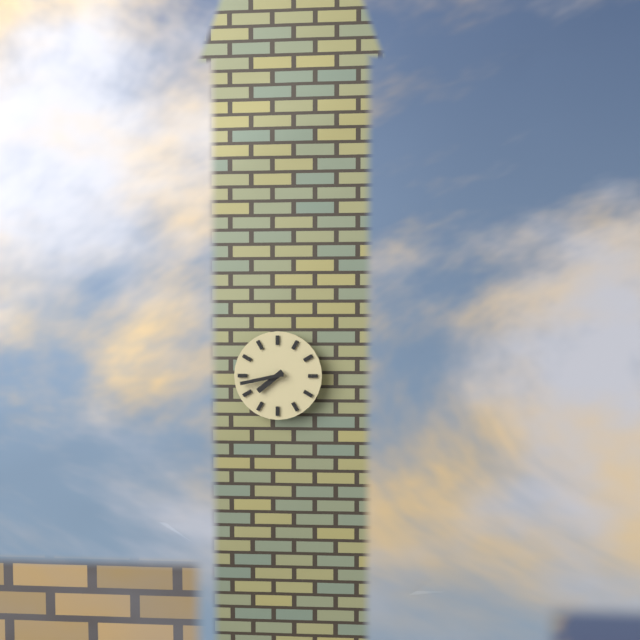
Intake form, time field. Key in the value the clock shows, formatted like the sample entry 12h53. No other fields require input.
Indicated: 7h43
